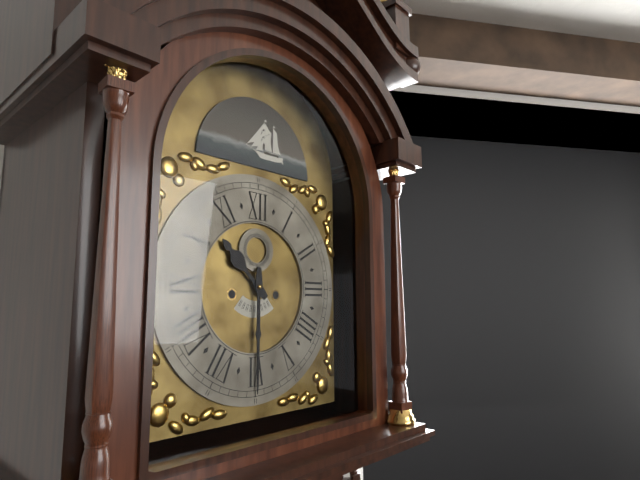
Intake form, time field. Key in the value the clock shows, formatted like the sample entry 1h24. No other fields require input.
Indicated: 10h30
